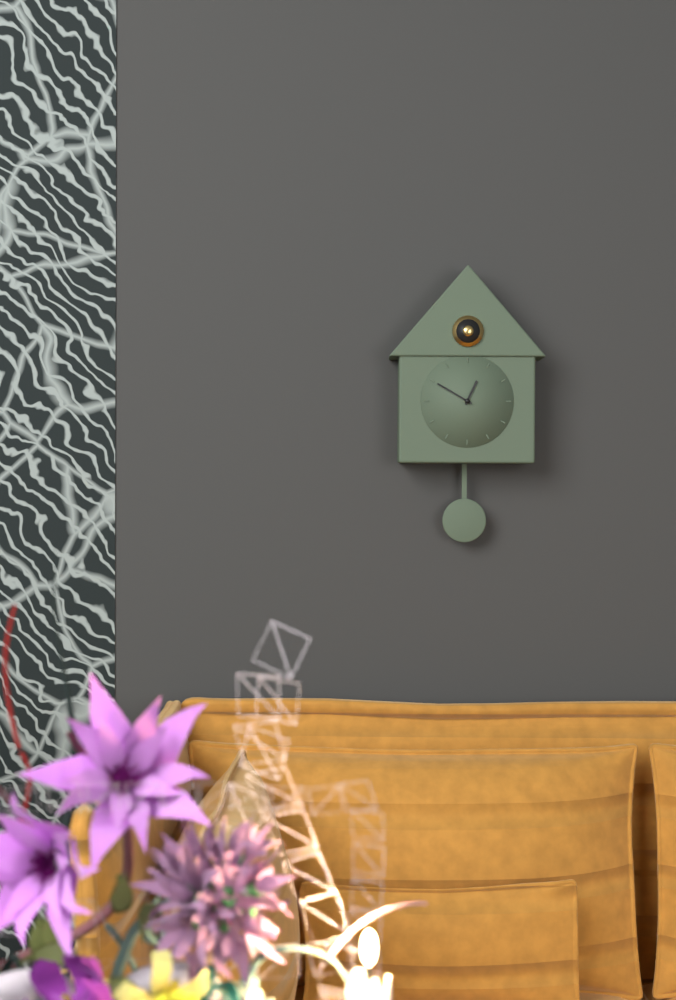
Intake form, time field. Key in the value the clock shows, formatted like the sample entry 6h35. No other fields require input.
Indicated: 12h50
